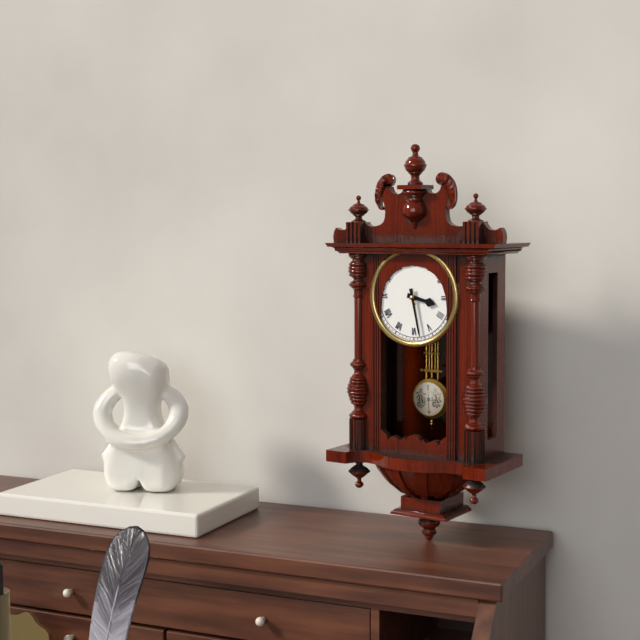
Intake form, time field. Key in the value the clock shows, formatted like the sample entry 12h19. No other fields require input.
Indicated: 3h28
